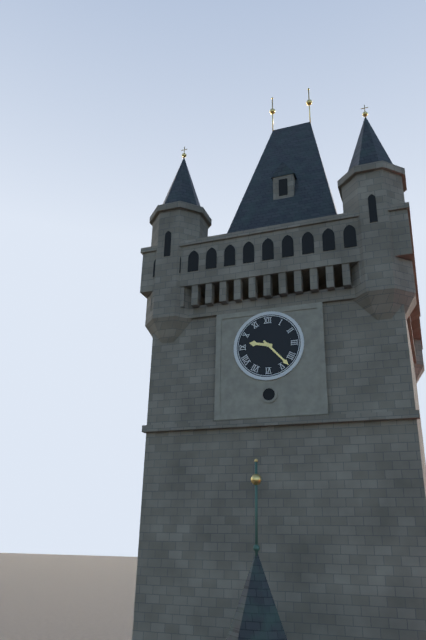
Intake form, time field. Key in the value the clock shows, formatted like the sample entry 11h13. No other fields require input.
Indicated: 9h23
